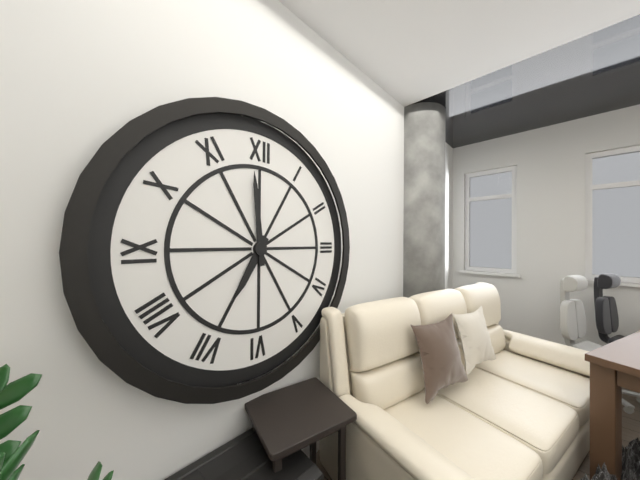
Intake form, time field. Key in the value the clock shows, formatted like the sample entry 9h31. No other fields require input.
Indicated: 6h59
